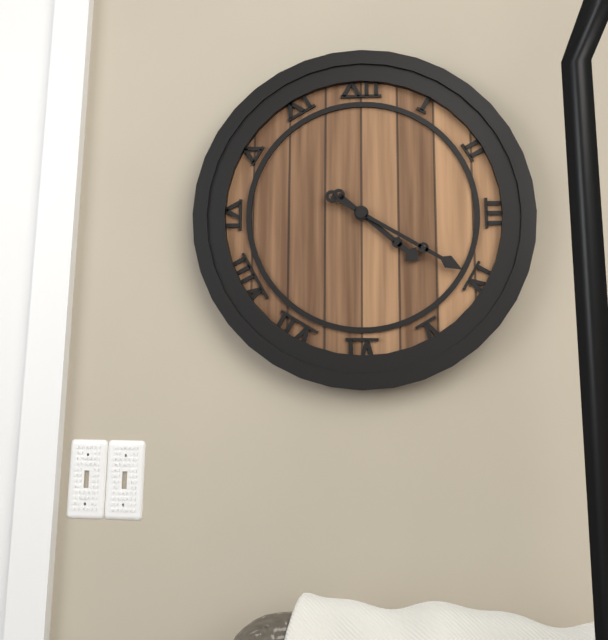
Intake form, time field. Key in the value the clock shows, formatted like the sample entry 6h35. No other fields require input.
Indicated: 4h20
